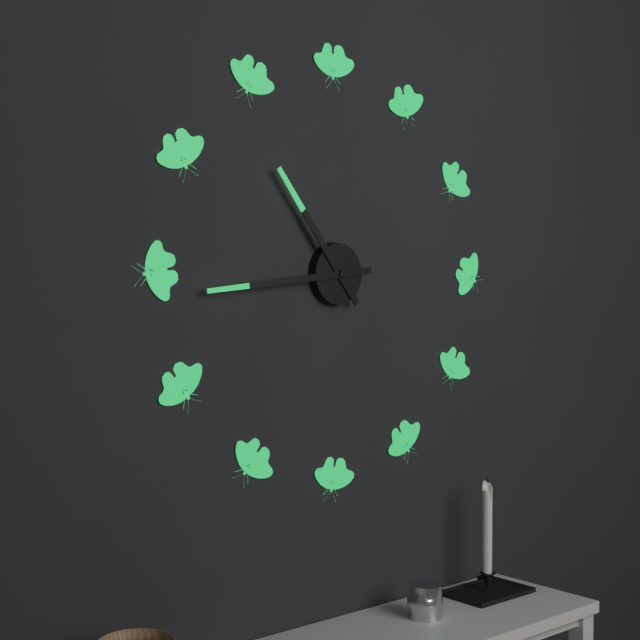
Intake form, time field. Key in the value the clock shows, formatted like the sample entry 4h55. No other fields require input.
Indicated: 10h44
